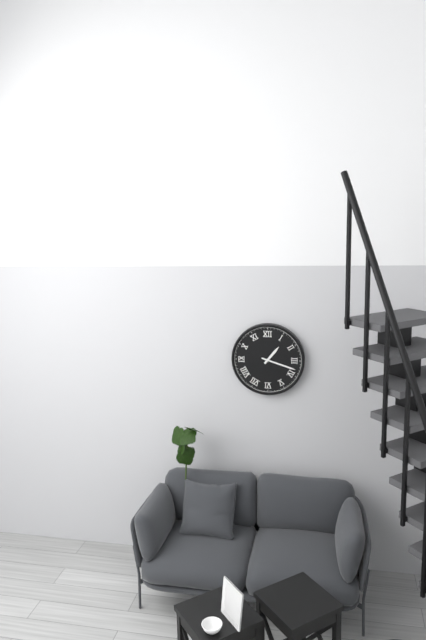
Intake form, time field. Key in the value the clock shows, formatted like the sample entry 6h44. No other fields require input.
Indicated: 1h18
